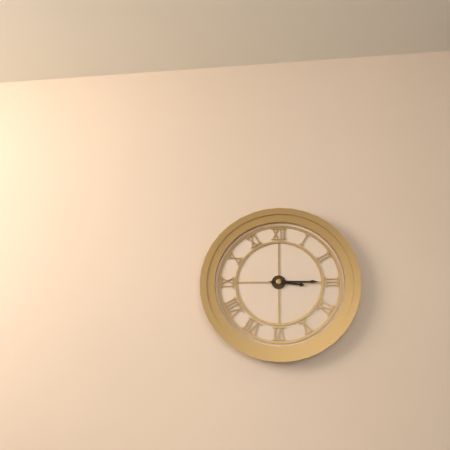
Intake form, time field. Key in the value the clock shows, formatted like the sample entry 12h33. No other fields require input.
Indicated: 3h15
